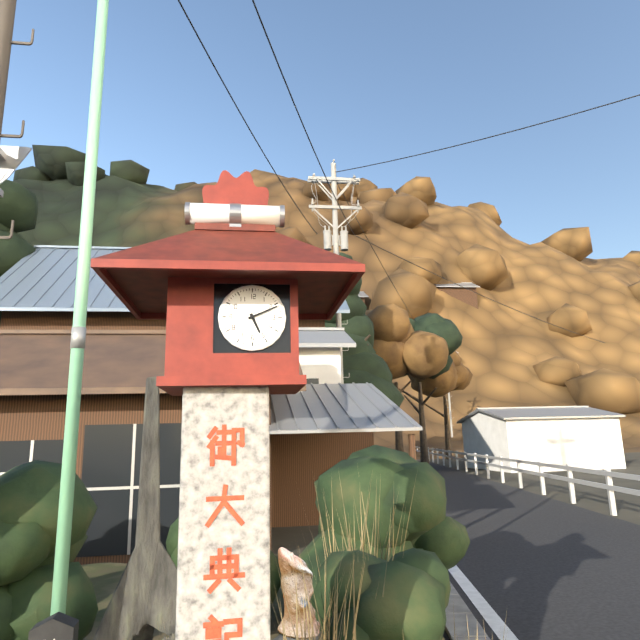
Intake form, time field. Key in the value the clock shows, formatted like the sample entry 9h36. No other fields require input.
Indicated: 5h11
